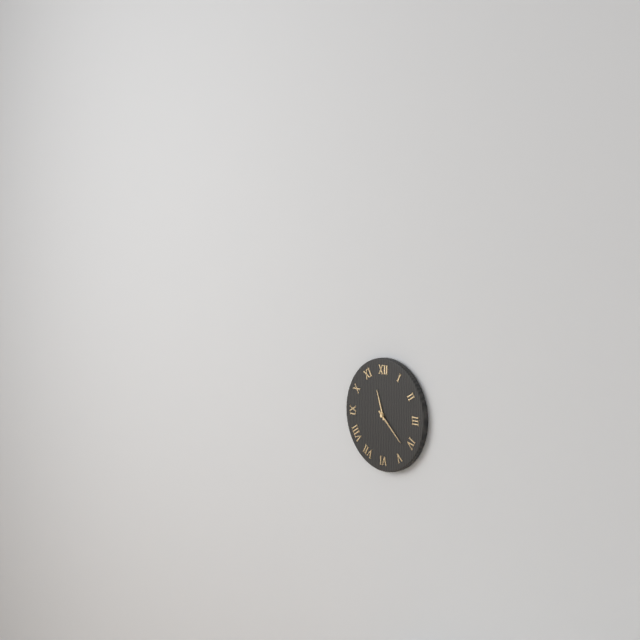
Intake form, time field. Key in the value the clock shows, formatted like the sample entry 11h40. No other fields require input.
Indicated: 11h22
